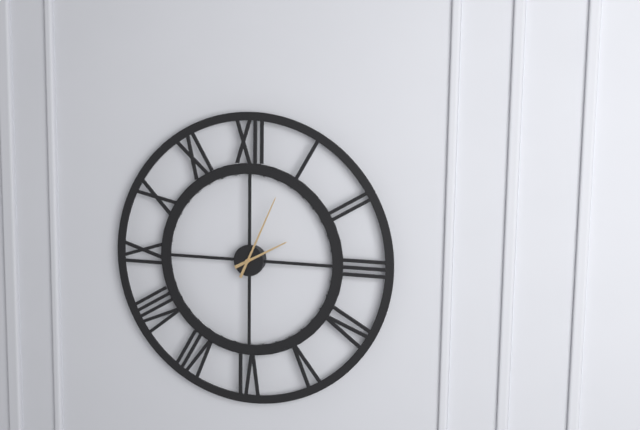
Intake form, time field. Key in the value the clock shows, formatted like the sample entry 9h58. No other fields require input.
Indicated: 2h04
